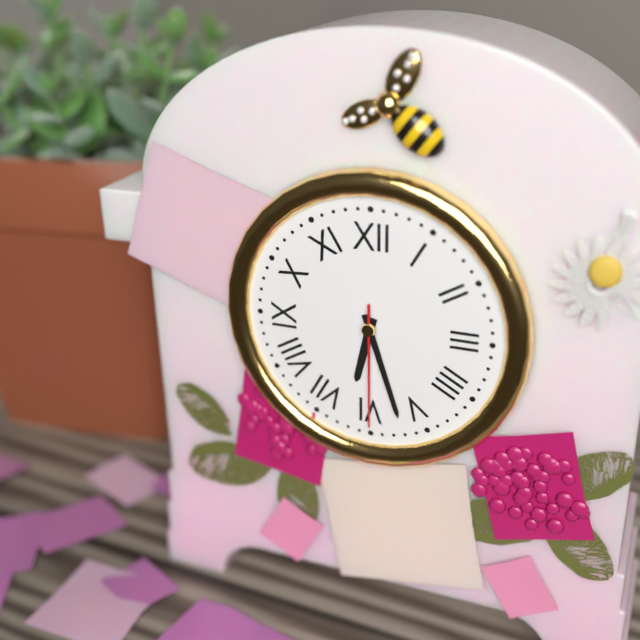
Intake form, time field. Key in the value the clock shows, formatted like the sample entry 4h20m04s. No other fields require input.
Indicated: 6h27m30s
